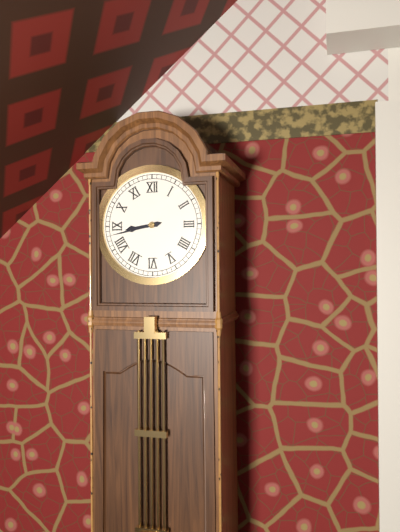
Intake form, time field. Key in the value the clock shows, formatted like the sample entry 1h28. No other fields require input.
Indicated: 8h43
